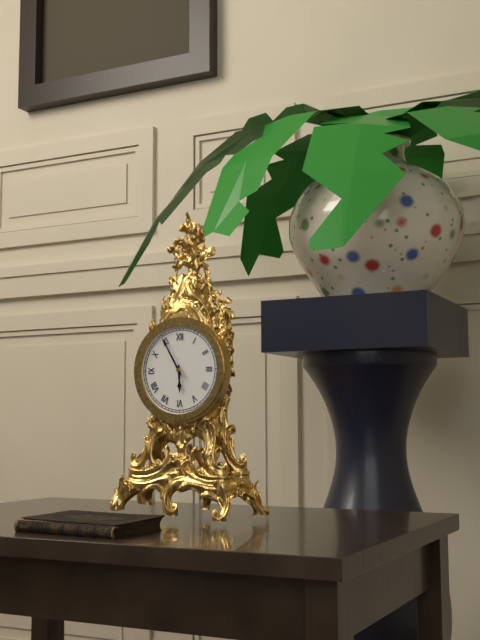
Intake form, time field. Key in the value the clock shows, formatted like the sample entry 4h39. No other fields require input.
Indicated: 5h55
